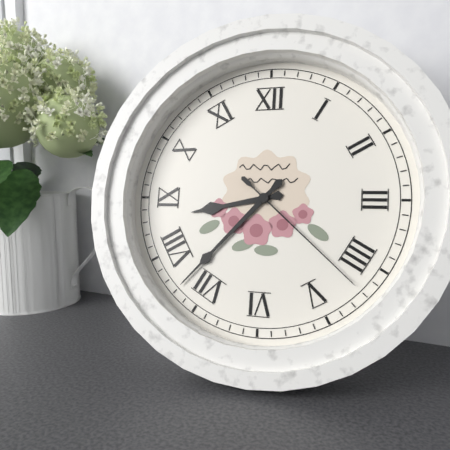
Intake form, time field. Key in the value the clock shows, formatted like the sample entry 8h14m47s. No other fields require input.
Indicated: 8h37m22s
